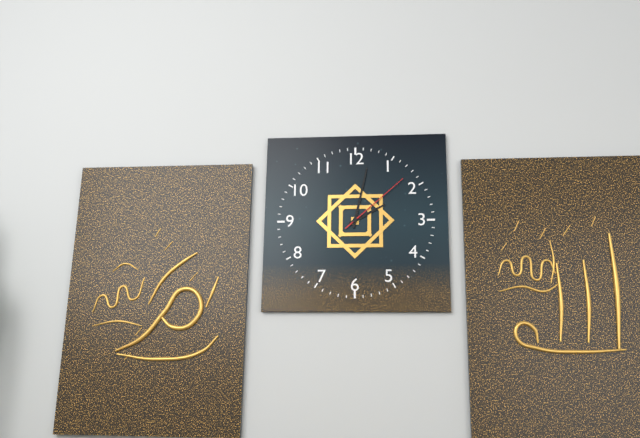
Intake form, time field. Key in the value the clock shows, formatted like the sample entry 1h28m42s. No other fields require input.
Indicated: 2h02m08s
